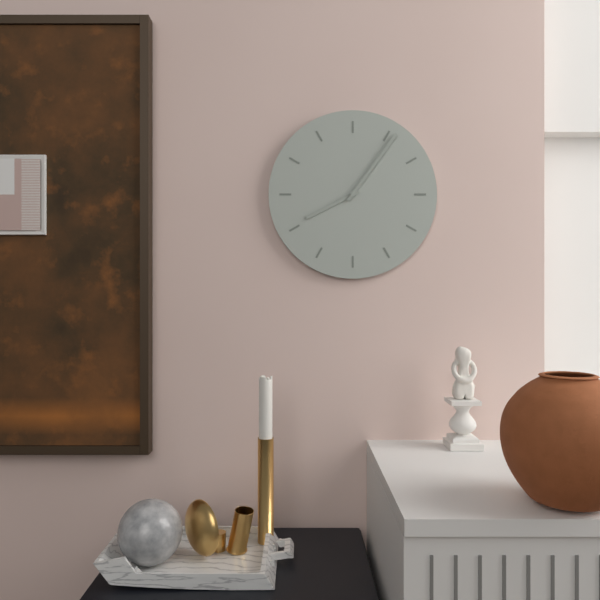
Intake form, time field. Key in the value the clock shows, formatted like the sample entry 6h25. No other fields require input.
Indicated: 8h06
